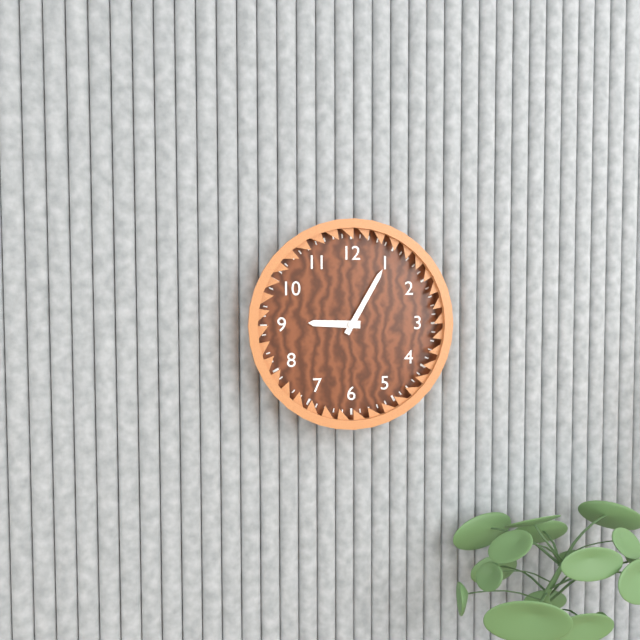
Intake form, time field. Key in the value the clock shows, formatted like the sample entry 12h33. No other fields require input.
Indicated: 9h05
